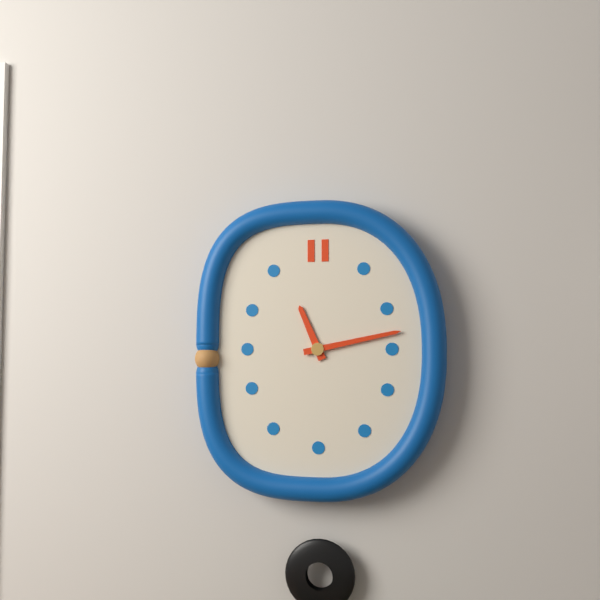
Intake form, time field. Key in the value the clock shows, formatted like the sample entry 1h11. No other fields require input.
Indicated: 11h13
